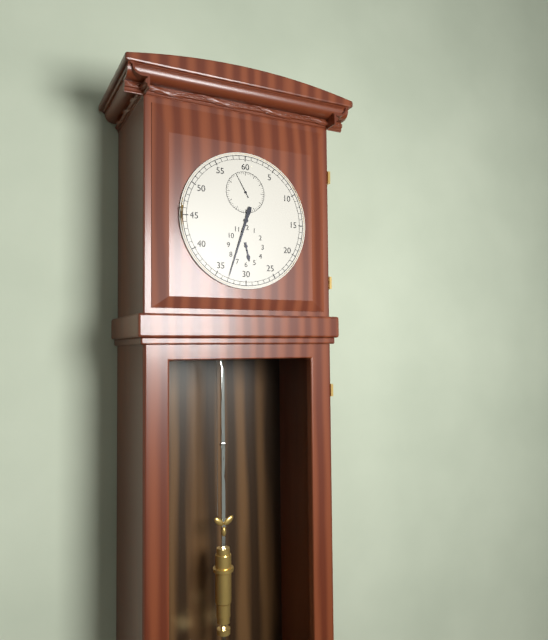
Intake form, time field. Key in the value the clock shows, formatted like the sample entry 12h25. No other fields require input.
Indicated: 5h33
